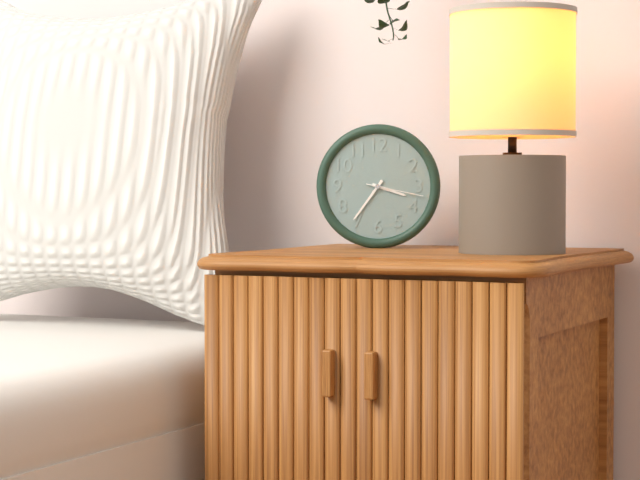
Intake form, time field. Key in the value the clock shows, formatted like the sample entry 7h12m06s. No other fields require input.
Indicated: 3h36m17s
